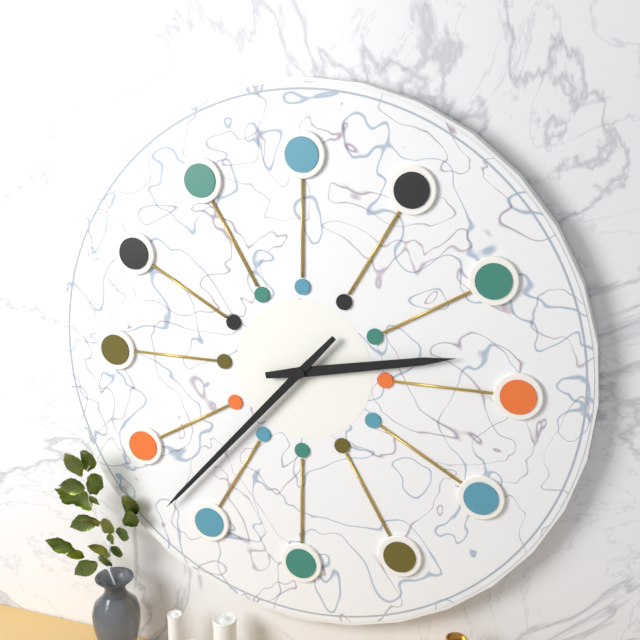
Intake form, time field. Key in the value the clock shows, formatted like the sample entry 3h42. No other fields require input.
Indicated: 2h37
